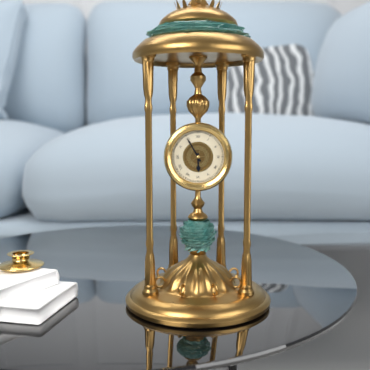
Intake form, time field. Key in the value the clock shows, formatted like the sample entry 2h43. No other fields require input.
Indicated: 5h55
